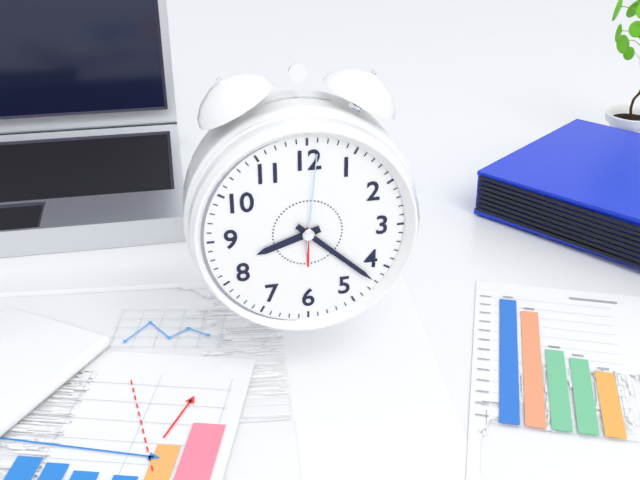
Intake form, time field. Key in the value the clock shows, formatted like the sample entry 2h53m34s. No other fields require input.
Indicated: 8h22m01s
